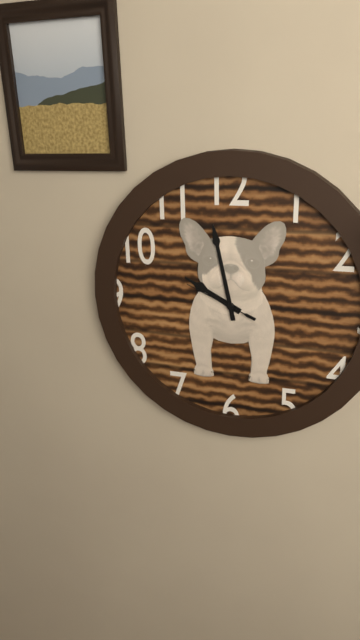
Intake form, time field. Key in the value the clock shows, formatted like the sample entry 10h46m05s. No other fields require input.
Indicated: 9h58m49s
